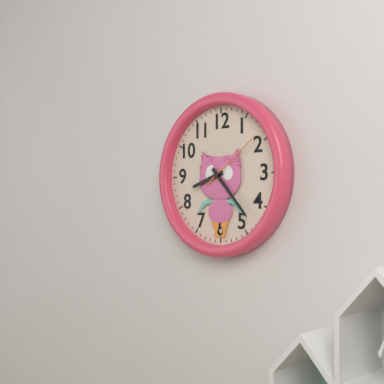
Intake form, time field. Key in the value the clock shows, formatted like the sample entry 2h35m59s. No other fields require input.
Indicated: 8h23m09s
